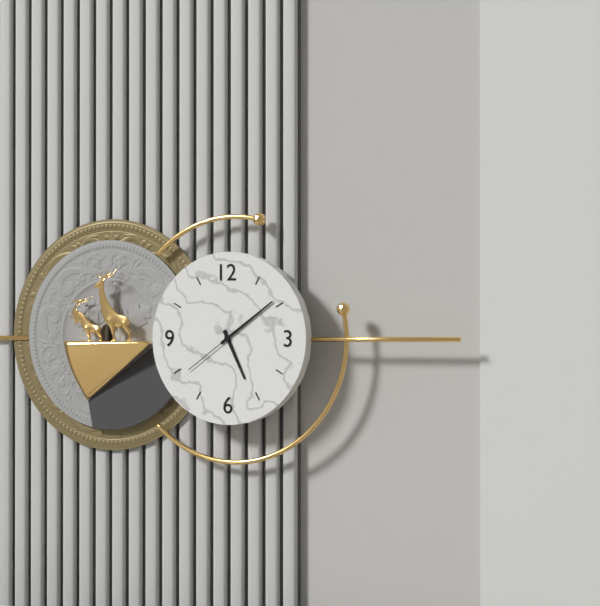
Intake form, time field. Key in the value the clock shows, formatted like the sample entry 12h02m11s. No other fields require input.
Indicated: 5h09m39s
